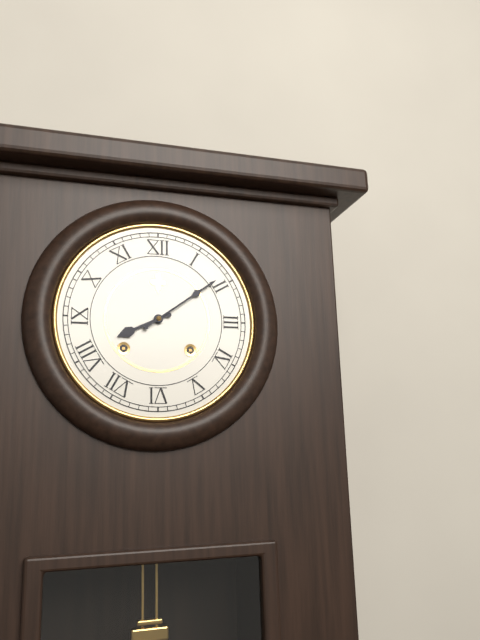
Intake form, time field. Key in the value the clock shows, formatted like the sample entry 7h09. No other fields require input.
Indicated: 8h09
